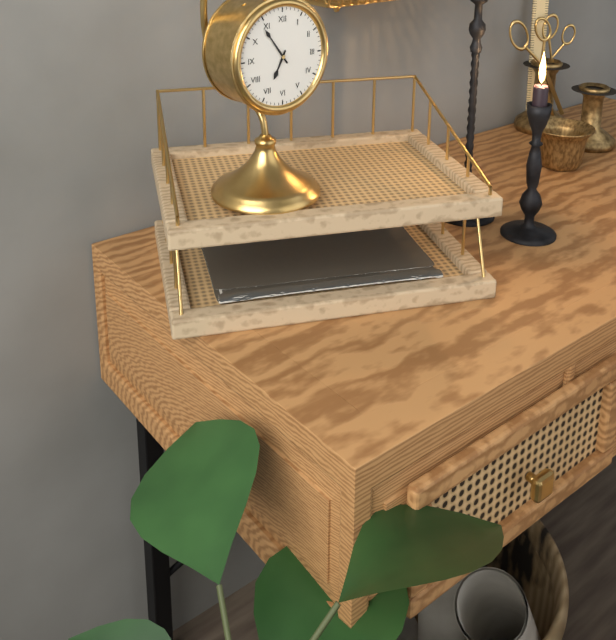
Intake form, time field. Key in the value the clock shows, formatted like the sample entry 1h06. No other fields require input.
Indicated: 6h54
